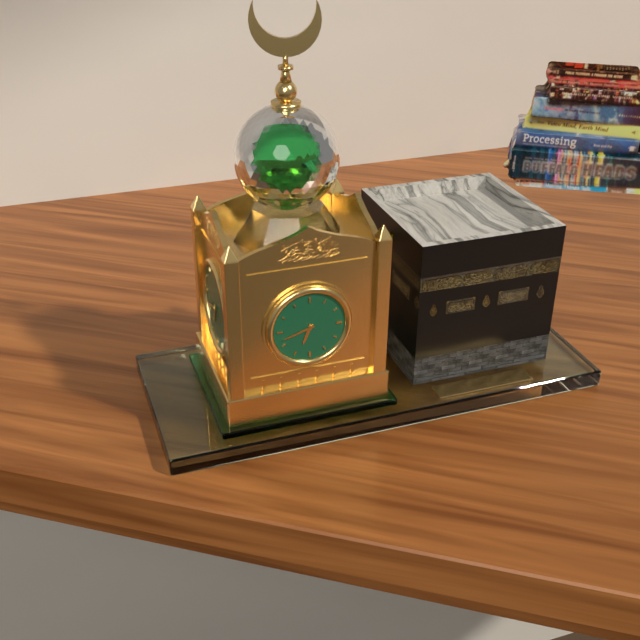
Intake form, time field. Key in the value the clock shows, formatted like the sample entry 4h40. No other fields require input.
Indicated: 6h42
